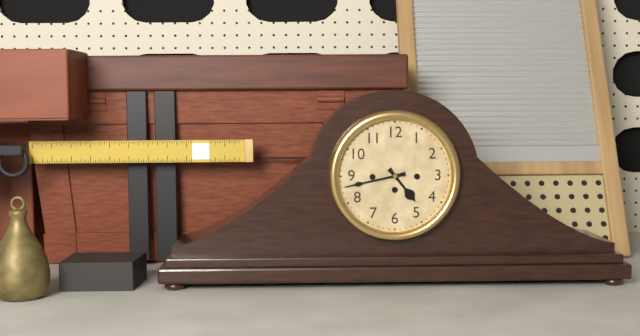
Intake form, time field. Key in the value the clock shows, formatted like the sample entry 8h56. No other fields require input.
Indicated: 4h43
